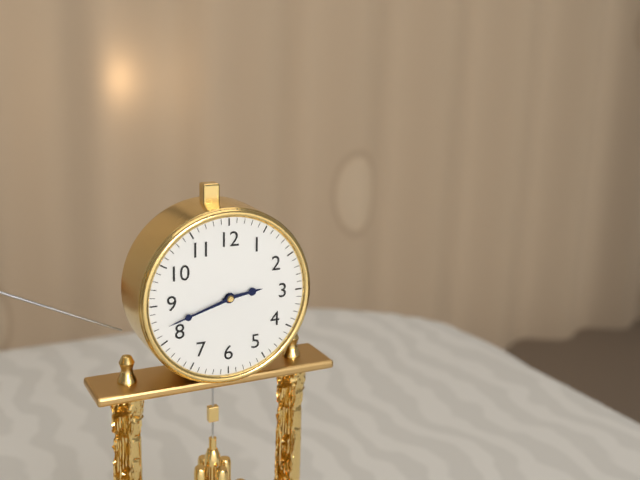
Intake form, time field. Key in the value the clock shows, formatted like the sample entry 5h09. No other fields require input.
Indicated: 2h42
